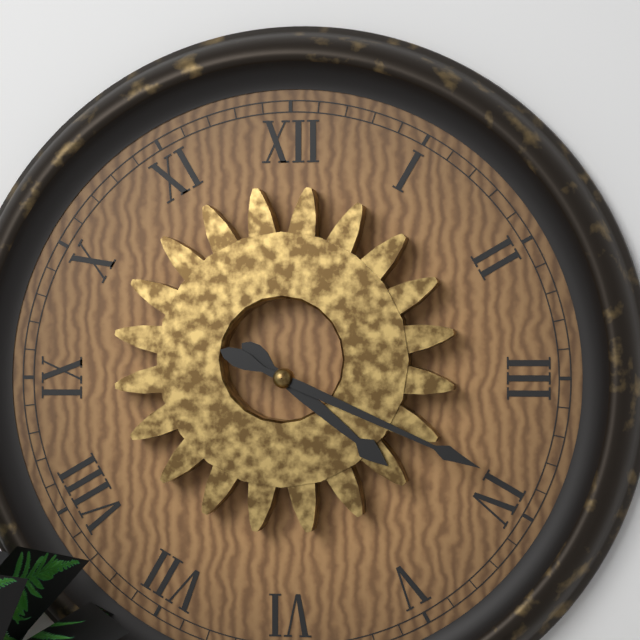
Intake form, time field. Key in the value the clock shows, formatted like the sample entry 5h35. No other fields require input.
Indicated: 4h19
